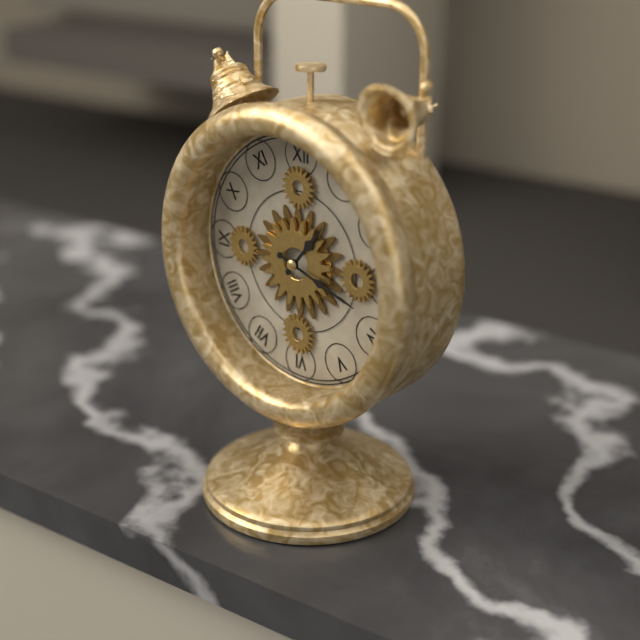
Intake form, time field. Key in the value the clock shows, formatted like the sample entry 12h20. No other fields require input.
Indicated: 1h18
